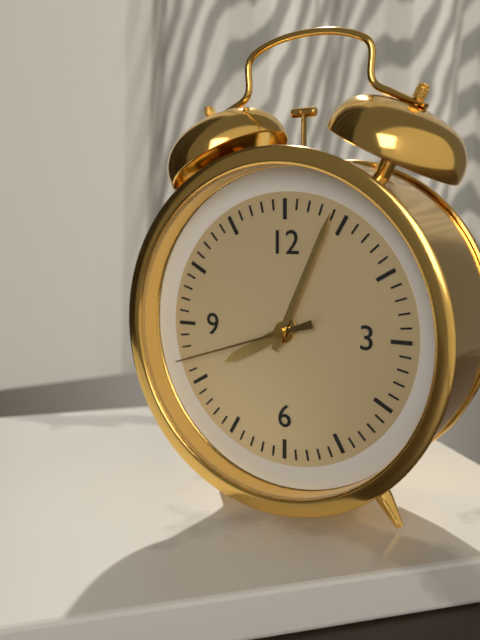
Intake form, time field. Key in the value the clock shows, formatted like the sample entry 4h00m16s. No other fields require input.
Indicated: 8h04m42s
